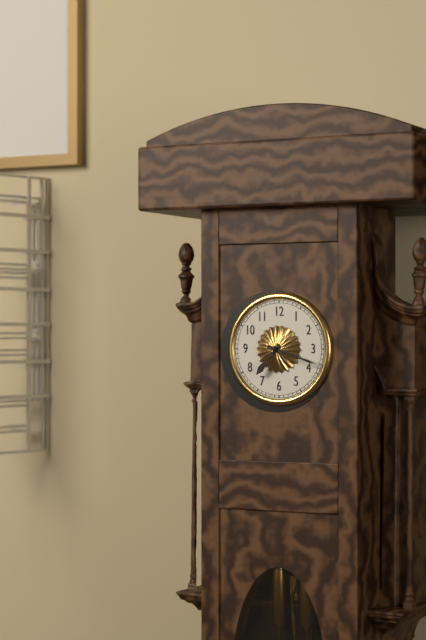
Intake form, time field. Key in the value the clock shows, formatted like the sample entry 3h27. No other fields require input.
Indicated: 7h18
